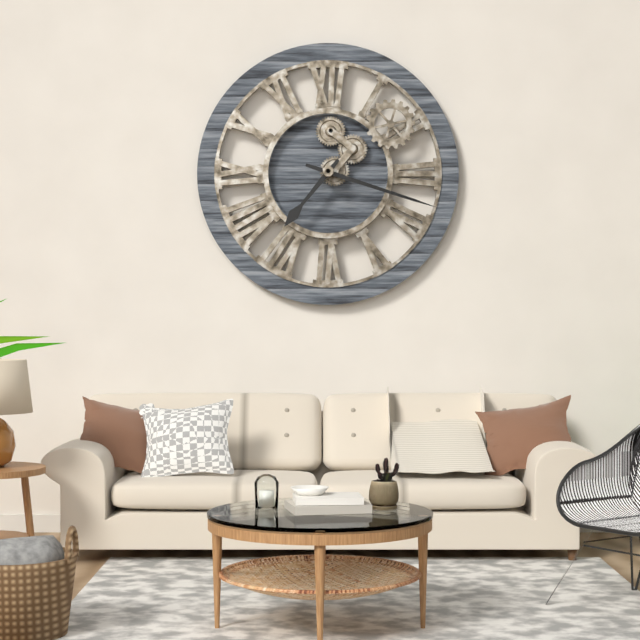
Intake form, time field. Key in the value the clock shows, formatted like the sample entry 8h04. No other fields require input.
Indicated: 7h18
